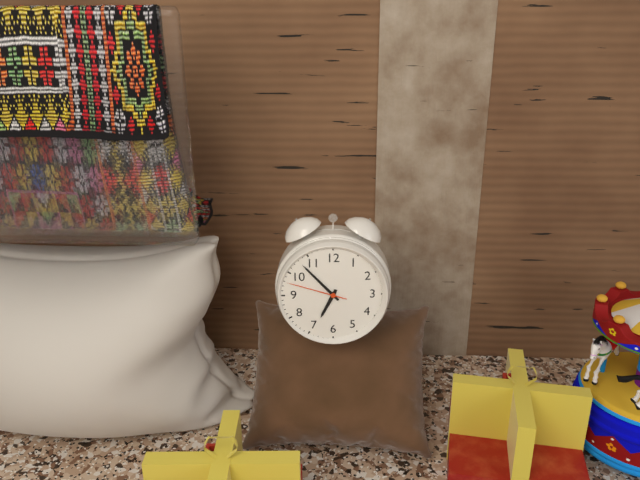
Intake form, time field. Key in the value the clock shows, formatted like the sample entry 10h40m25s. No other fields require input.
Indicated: 6h53m48s
